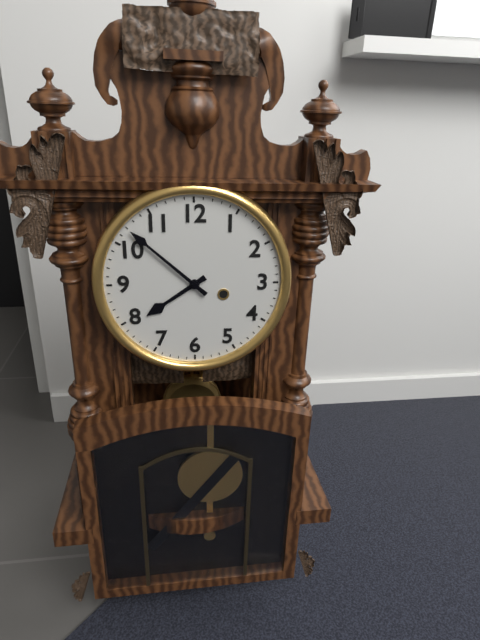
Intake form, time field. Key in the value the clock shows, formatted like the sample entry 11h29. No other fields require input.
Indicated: 7h52
